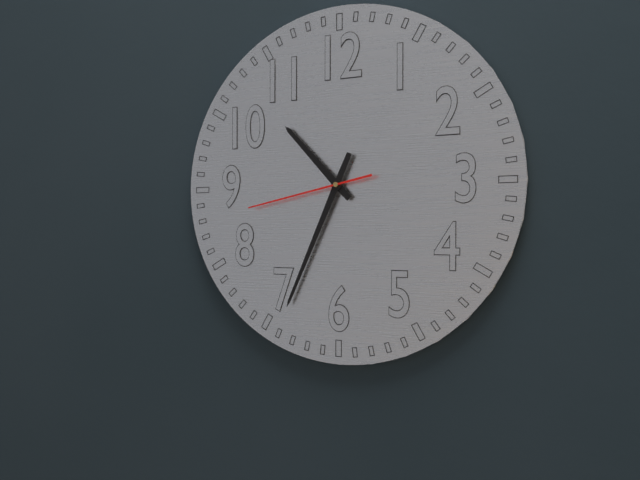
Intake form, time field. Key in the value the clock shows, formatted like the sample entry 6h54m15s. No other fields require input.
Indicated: 10h34m43s
